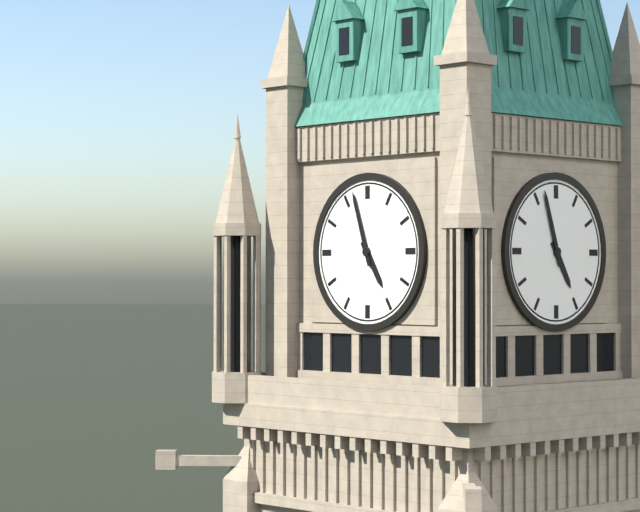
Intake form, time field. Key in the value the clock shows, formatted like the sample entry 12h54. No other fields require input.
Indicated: 4h57
